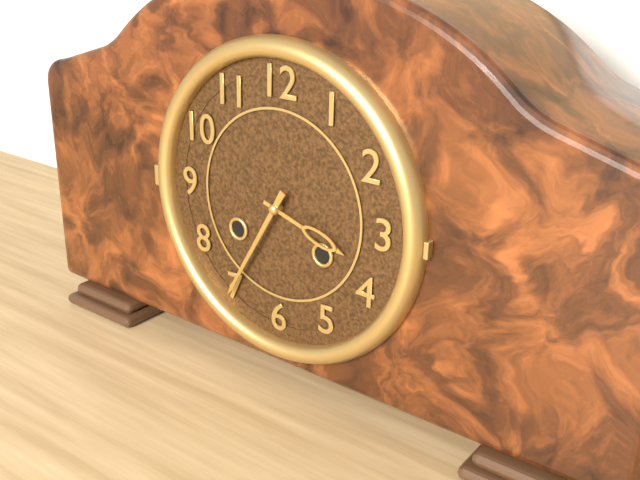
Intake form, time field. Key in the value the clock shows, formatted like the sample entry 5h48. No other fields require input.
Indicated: 3h35
